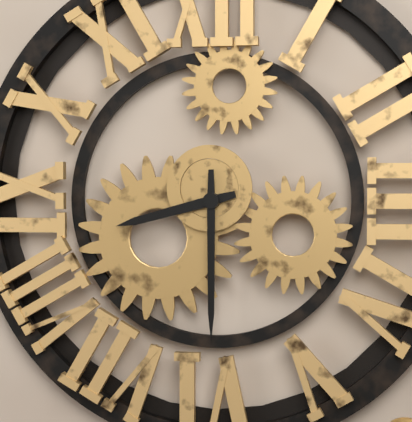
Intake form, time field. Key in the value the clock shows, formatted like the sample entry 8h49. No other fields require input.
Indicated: 8h30
